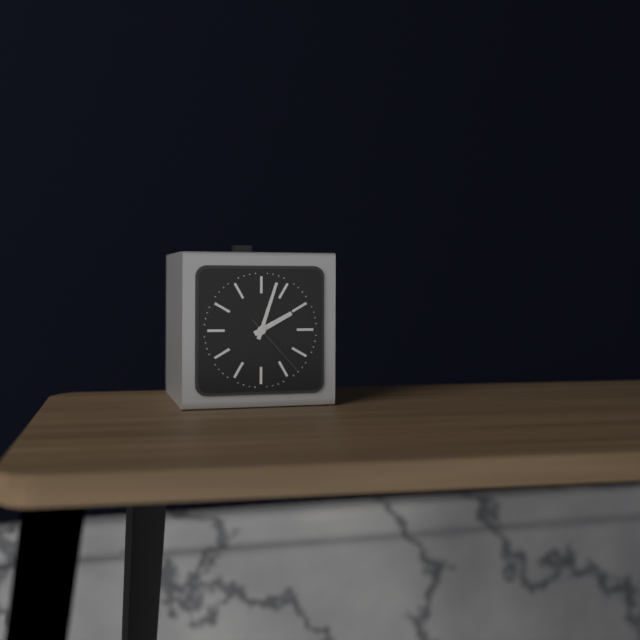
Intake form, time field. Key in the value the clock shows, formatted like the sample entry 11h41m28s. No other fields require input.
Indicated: 2h03m23s
